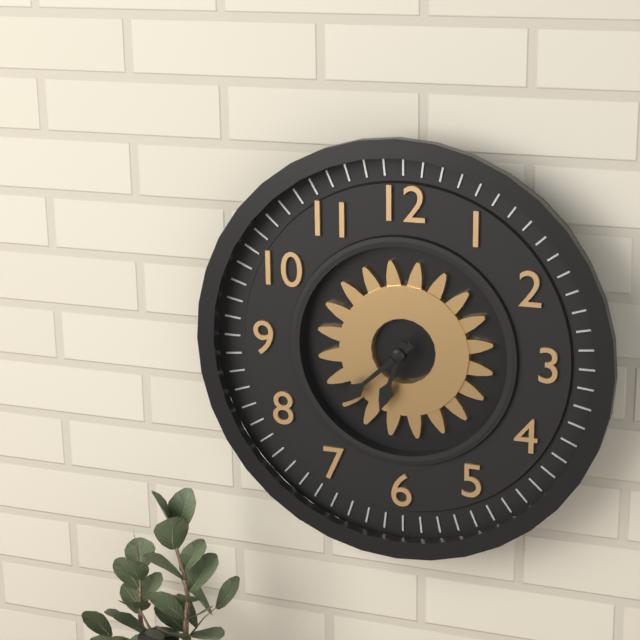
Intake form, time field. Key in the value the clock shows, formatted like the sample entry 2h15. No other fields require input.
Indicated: 6h38
